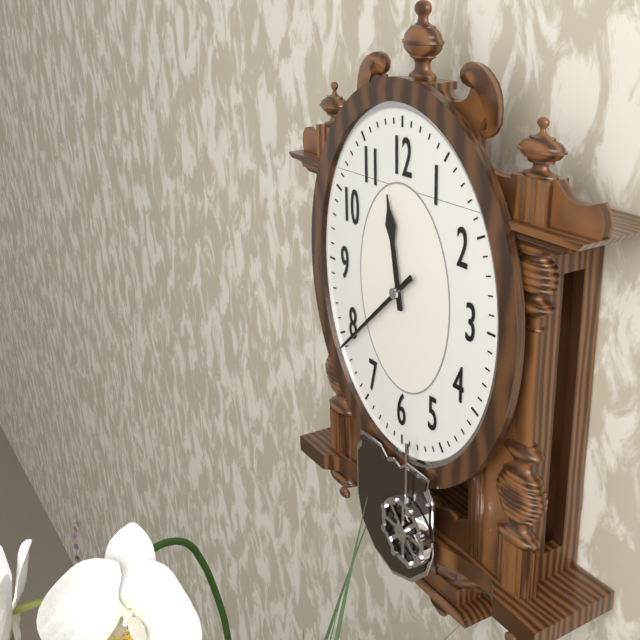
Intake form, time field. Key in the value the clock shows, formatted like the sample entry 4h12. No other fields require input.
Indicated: 11h38
